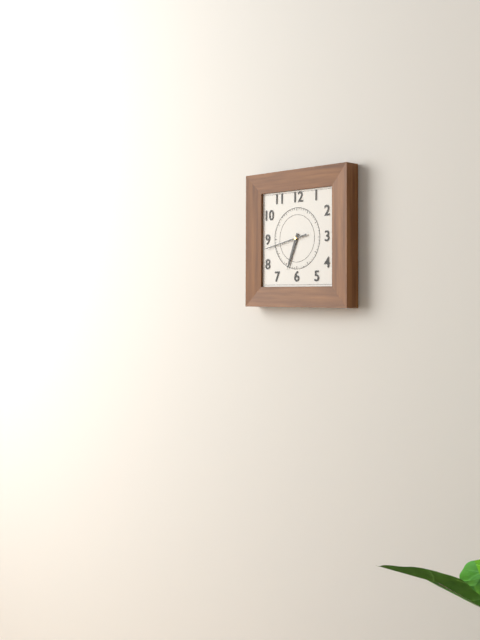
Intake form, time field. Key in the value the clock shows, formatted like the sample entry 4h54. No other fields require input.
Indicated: 6h43
